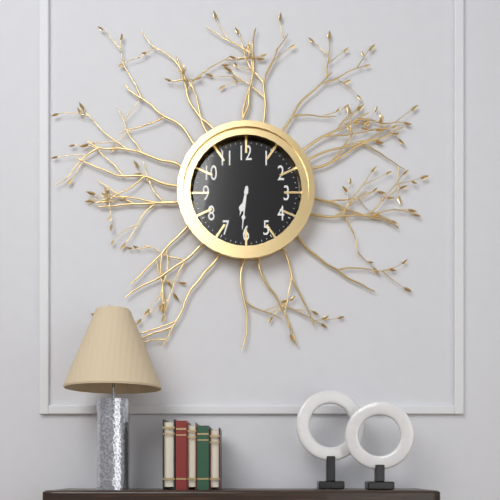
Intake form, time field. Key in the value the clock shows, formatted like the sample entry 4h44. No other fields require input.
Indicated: 6h31
